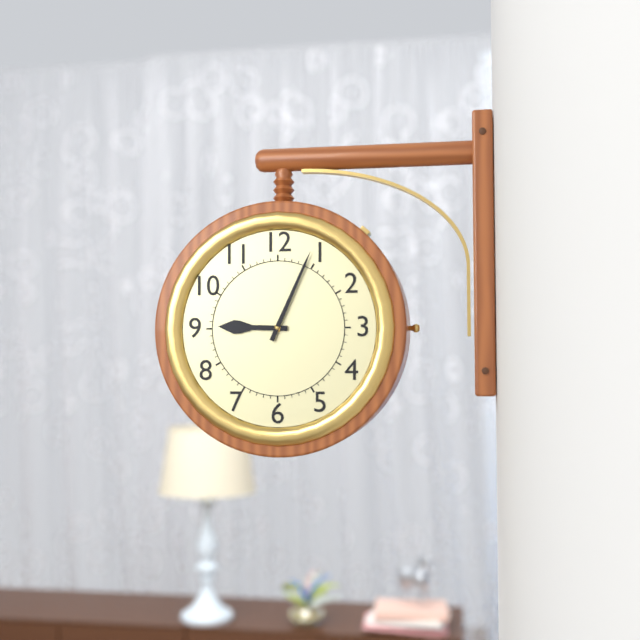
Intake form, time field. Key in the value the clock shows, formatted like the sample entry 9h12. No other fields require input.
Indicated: 9h04
